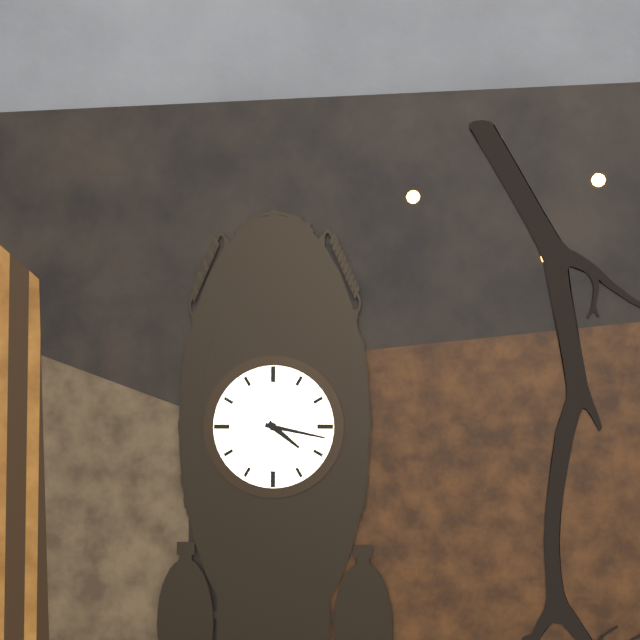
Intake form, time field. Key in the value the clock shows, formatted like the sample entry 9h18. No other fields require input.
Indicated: 4h17
